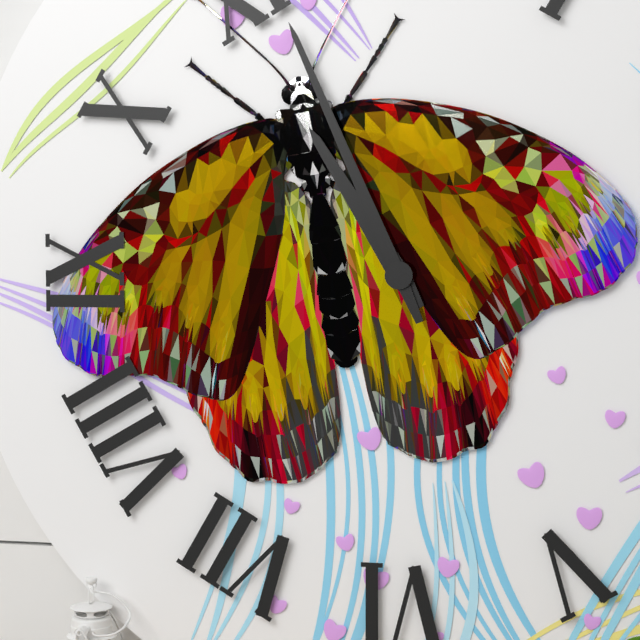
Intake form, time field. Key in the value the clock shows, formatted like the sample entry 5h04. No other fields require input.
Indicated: 10h56
